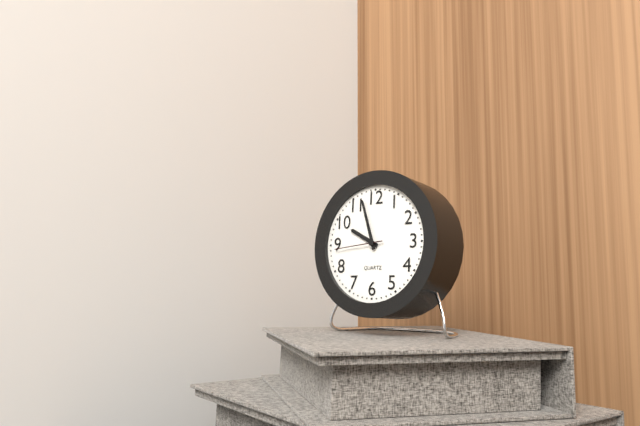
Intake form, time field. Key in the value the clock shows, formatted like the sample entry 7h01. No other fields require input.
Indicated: 9h57
